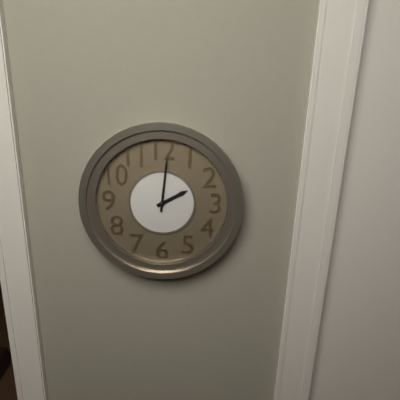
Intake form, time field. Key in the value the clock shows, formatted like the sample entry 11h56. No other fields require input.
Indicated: 2h01
